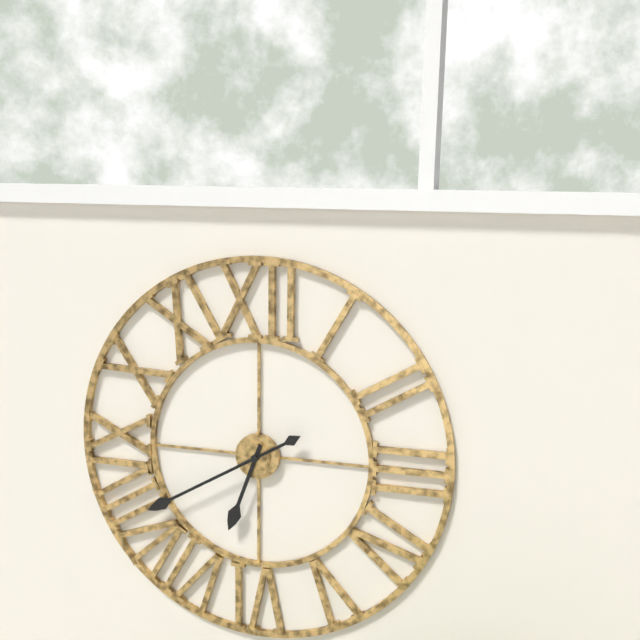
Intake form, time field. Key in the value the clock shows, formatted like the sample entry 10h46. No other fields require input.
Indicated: 6h40
